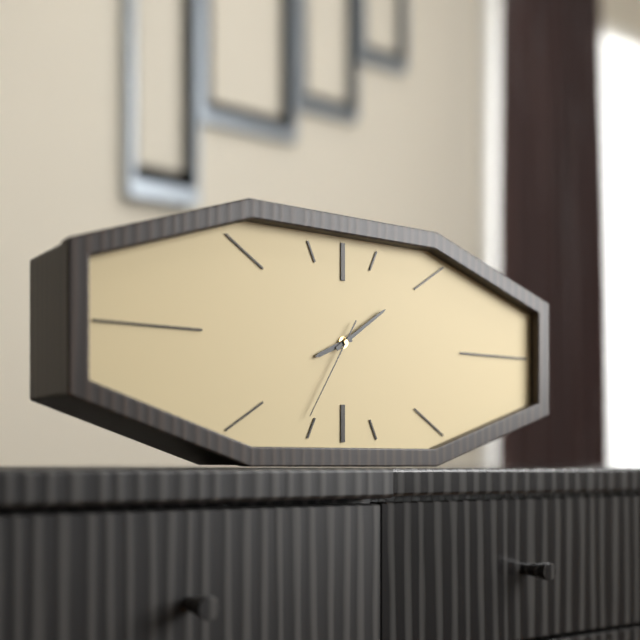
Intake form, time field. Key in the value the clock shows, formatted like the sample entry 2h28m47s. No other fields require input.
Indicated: 8h09m35s
